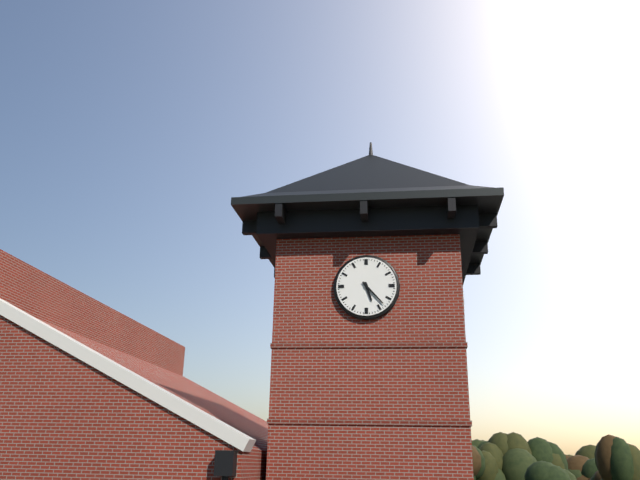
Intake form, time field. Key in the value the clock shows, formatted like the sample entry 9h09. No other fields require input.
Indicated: 5h23
